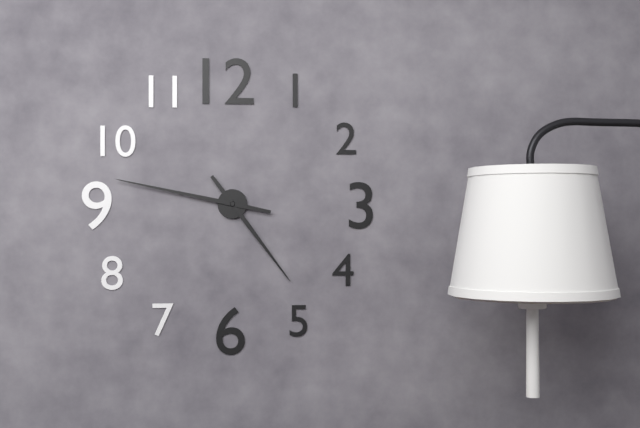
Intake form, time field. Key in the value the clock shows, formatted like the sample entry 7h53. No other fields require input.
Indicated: 4h47
